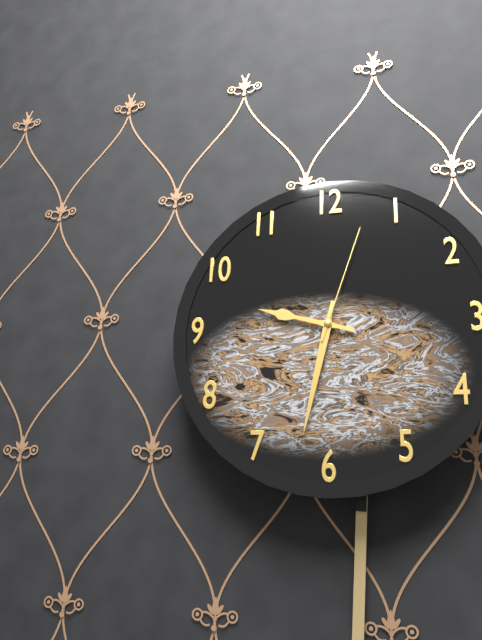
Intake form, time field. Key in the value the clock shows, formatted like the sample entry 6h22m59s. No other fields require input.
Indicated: 9h32m03s
